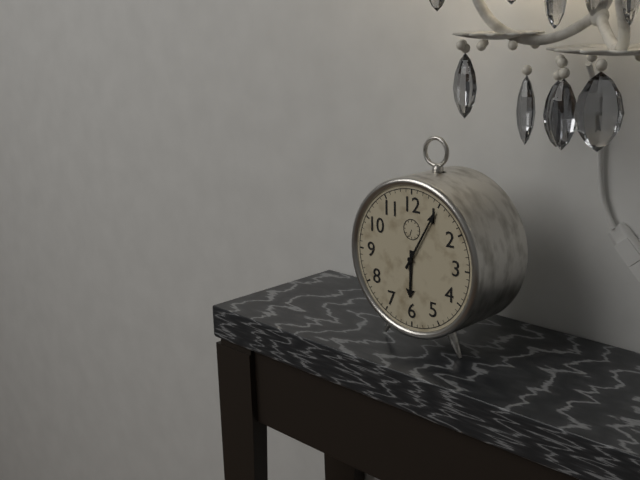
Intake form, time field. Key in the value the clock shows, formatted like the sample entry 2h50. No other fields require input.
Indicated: 6h05
